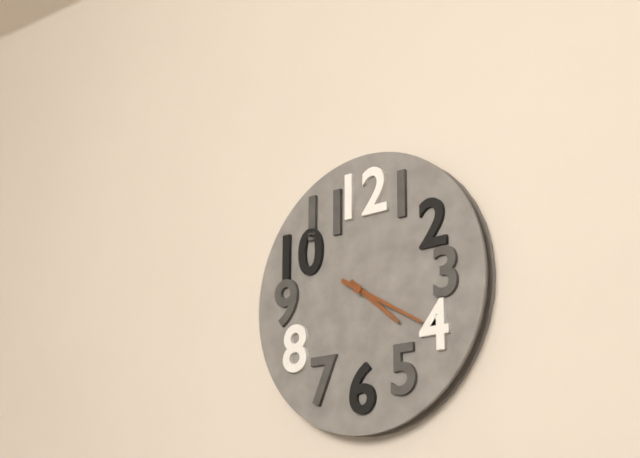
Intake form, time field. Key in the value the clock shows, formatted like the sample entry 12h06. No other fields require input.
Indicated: 4h20
